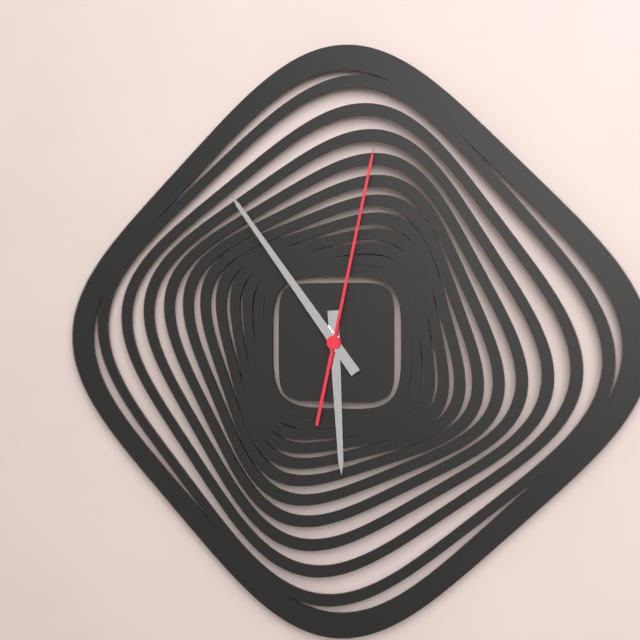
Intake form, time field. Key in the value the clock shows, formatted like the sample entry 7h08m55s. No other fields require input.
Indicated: 5h54m02s
